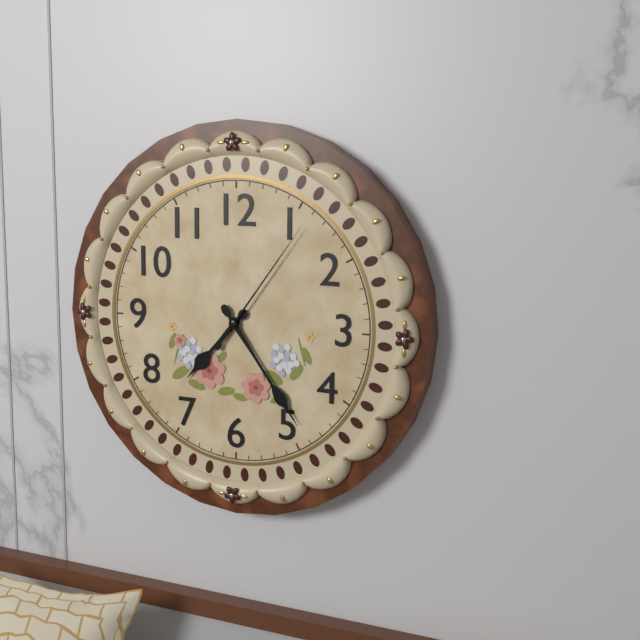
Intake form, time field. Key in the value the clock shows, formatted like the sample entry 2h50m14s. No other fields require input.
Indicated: 7h24m06s
